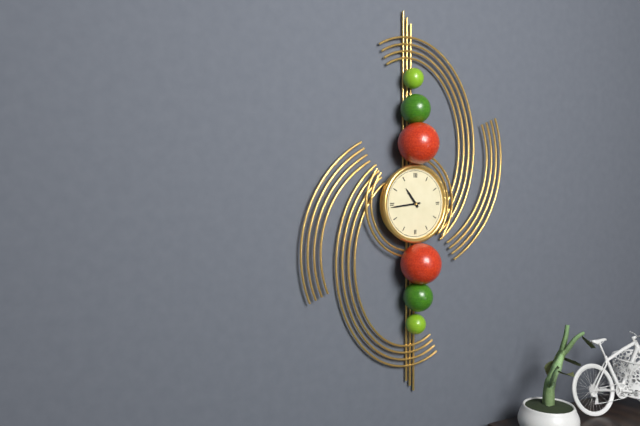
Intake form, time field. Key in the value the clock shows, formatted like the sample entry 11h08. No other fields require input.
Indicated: 10h44
